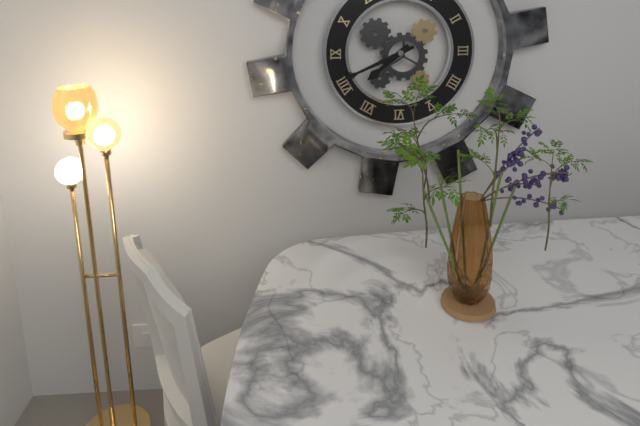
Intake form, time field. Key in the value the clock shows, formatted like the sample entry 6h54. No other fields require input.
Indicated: 7h41
